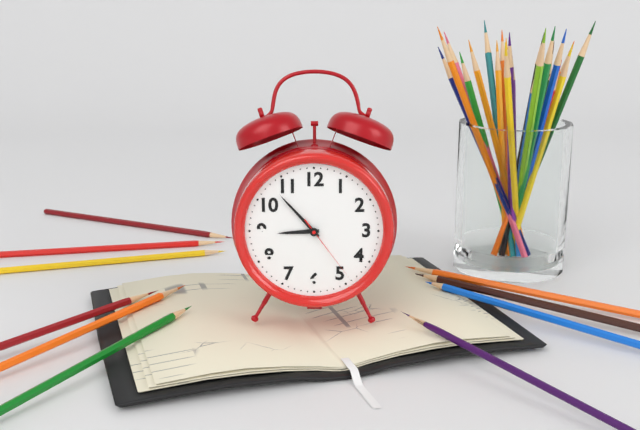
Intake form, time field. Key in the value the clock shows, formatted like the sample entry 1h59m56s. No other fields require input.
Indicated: 8h53m24s
